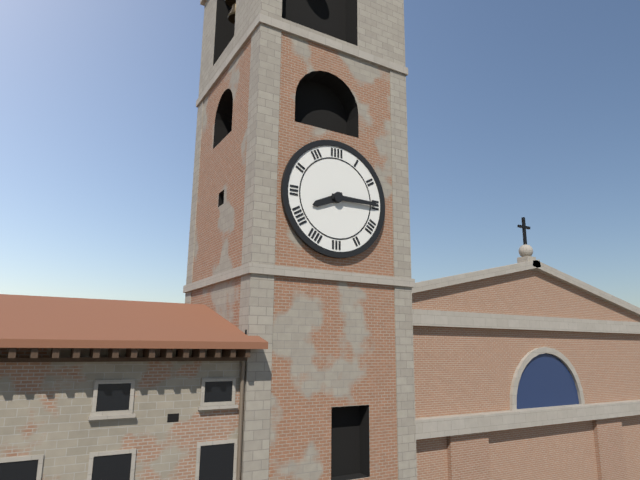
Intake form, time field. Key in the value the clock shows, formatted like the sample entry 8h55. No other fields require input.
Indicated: 8h15
